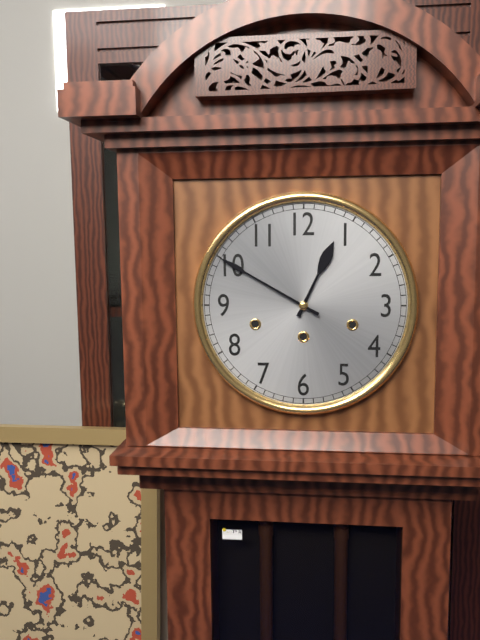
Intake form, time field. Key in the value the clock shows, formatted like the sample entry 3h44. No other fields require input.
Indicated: 12h50
